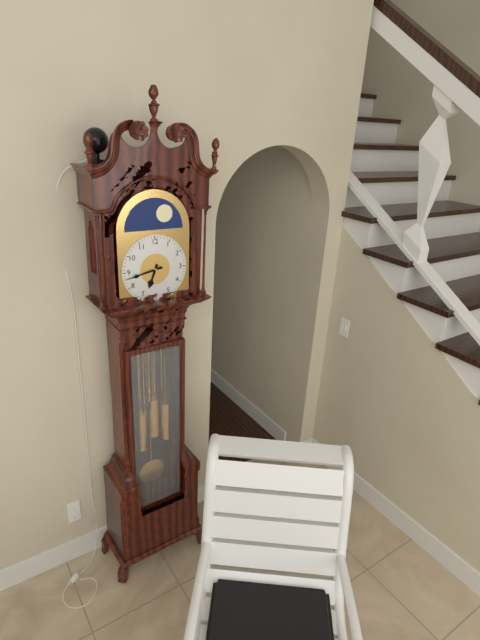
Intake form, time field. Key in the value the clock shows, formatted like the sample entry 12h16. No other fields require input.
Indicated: 6h43
